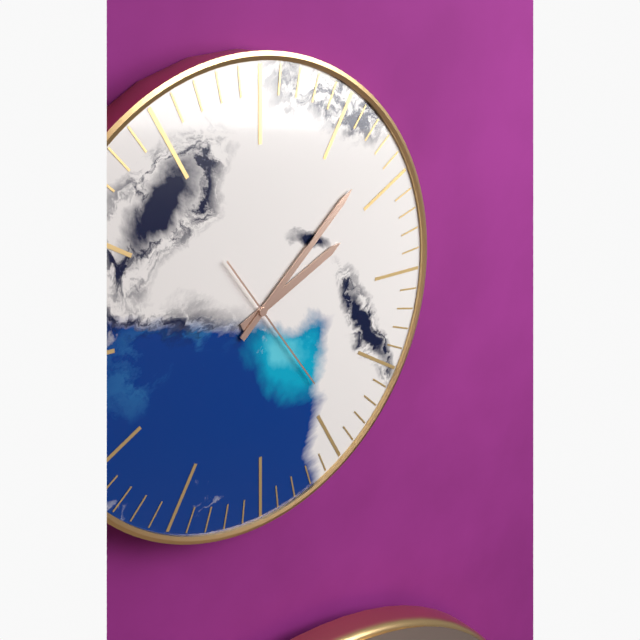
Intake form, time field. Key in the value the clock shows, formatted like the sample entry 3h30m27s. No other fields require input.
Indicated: 2h08m24s
